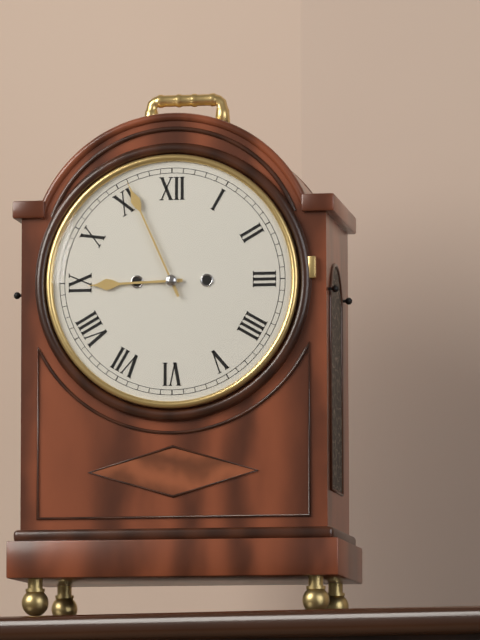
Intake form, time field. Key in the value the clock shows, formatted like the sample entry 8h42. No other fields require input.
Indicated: 8h56
